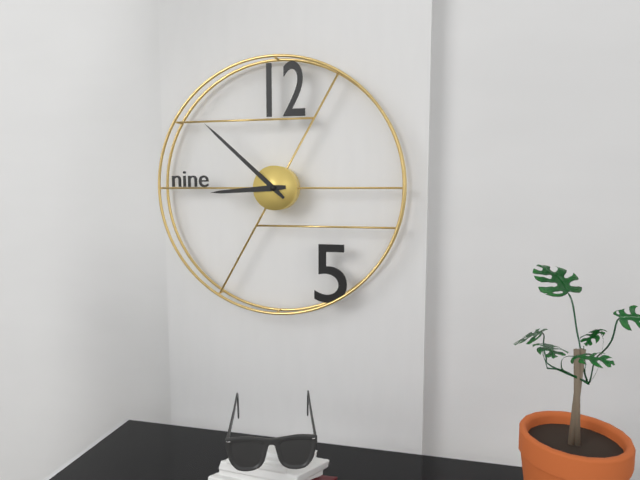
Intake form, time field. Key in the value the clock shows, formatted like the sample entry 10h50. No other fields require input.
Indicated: 8h52
